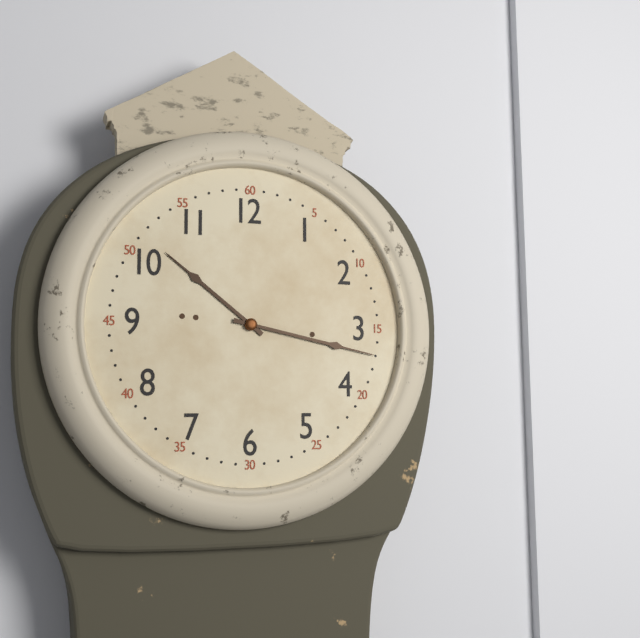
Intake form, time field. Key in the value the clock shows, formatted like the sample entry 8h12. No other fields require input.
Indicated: 10h17
